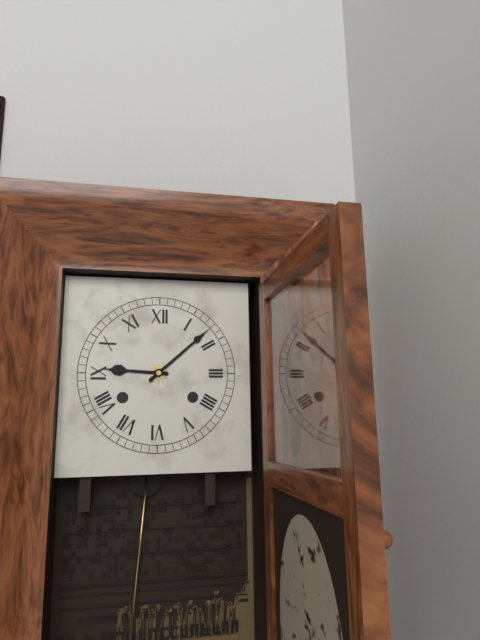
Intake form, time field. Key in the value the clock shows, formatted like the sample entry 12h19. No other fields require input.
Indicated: 9h08
